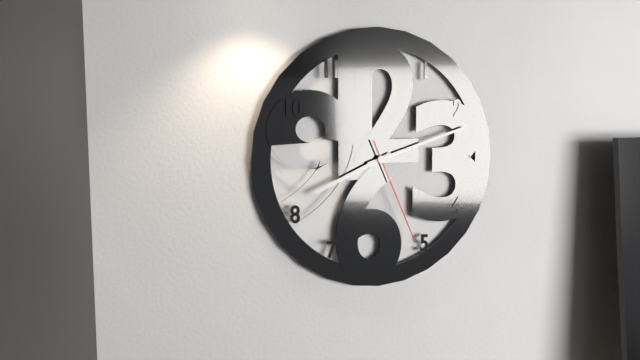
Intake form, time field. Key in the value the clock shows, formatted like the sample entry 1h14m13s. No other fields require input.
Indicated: 8h12m26s
